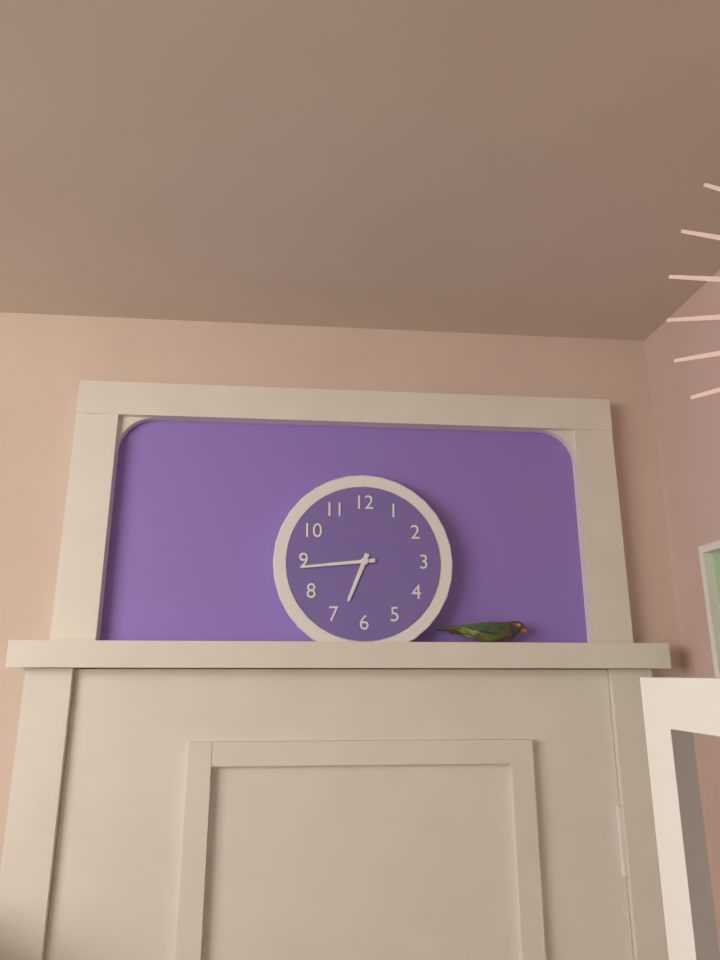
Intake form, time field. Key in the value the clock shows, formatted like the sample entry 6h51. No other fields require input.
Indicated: 6h44
